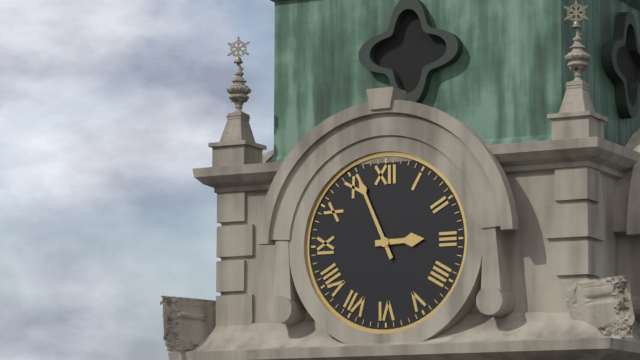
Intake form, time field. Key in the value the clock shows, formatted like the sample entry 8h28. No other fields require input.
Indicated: 2h56
